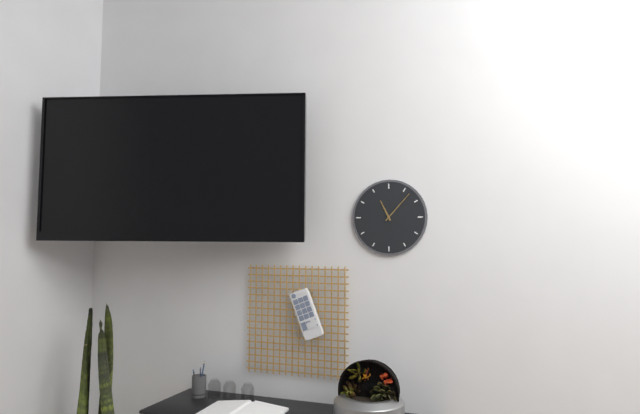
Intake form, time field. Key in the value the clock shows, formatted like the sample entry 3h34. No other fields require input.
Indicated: 11h07
